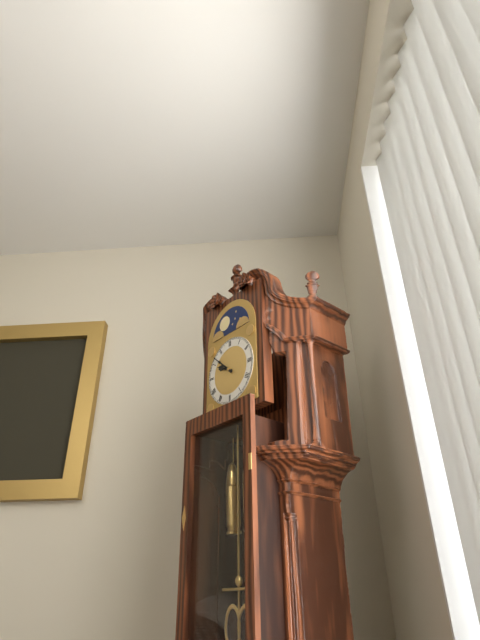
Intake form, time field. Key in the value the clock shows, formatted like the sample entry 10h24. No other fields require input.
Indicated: 9h52
